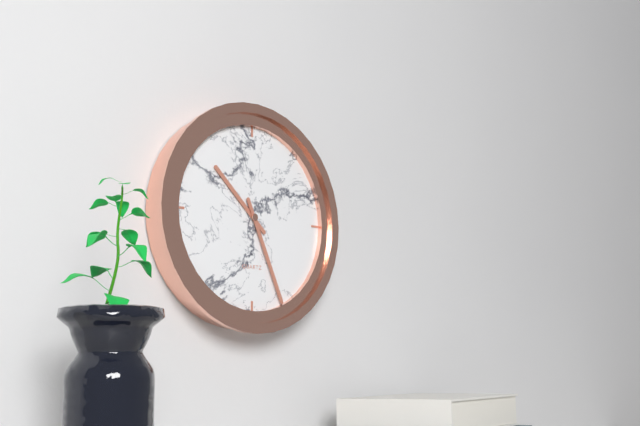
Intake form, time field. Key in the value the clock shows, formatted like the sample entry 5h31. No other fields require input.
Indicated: 10h26
